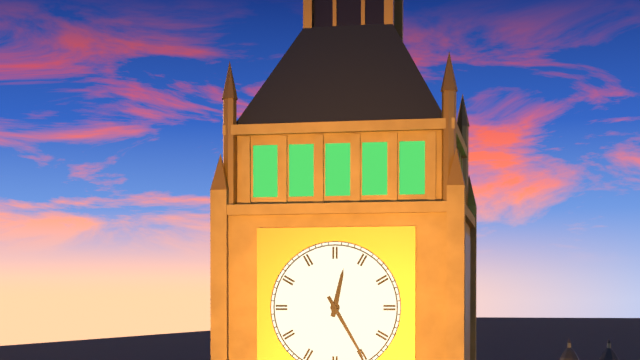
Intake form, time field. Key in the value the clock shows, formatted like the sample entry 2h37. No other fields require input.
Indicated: 12h25
